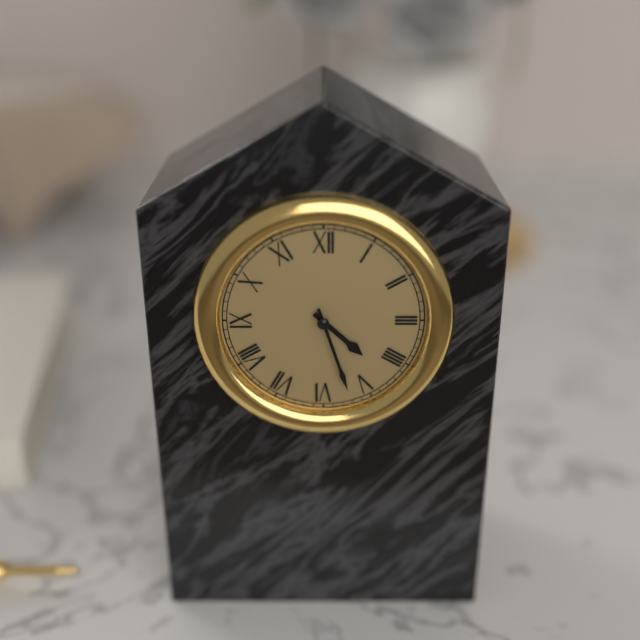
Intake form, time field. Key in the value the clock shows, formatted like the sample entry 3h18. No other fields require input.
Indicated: 4h27
